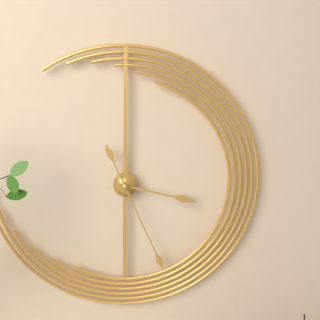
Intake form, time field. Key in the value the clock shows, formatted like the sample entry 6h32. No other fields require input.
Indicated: 3h26
